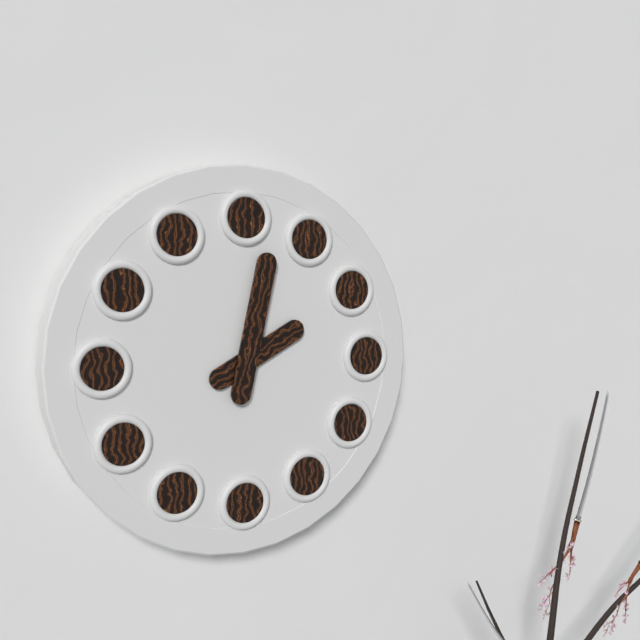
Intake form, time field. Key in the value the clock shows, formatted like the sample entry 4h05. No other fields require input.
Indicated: 2h02
